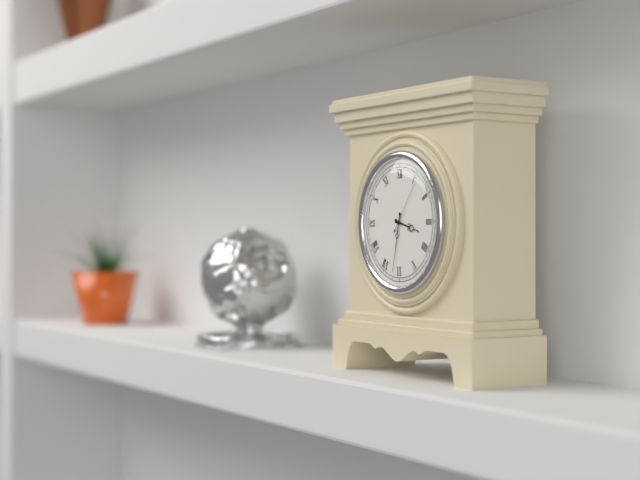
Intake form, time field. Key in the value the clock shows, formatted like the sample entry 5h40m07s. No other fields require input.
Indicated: 3h32m06s
